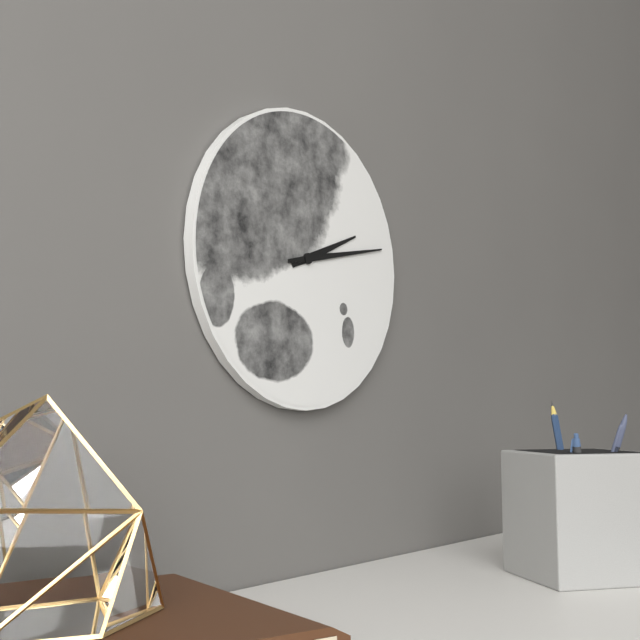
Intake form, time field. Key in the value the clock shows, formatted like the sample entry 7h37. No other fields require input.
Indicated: 2h13
